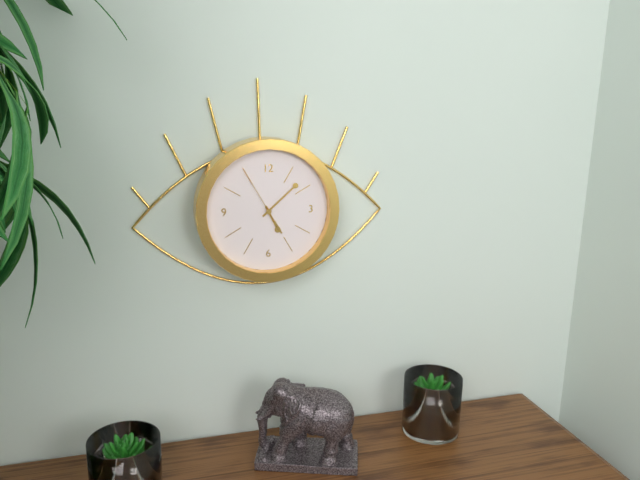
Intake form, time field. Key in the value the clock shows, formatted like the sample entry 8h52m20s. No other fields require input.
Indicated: 5h08m55s
